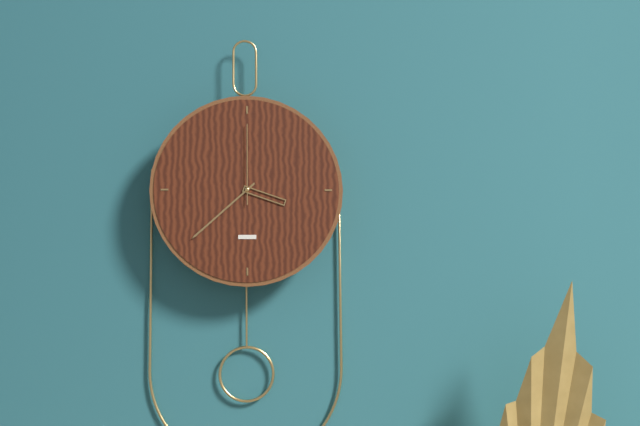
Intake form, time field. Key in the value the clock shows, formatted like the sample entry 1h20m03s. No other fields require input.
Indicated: 3h38m00s
